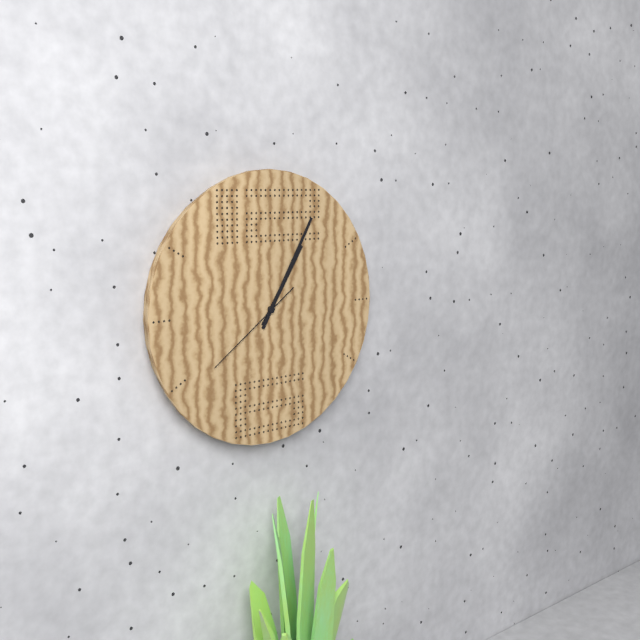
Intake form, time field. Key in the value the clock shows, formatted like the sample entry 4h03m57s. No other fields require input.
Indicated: 1h05m39s
